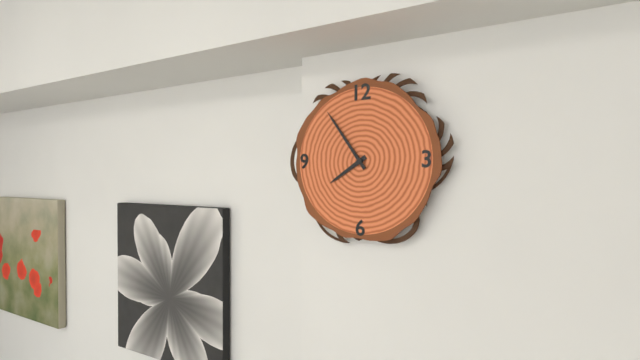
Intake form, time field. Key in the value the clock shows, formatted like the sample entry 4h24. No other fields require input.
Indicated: 7h54
